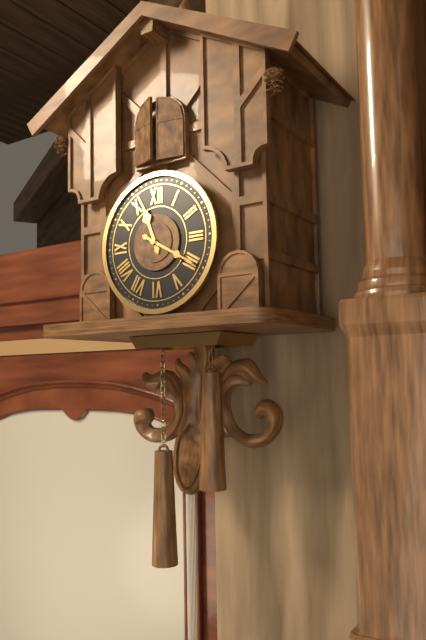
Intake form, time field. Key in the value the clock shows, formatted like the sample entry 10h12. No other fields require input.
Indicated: 11h20
